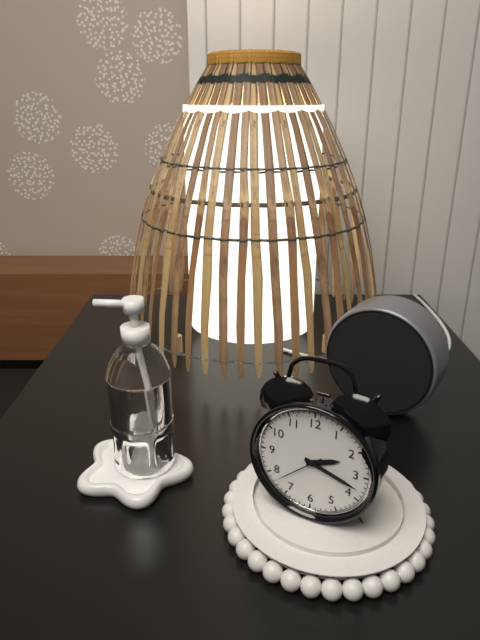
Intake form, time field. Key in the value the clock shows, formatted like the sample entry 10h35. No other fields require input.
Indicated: 2h18
